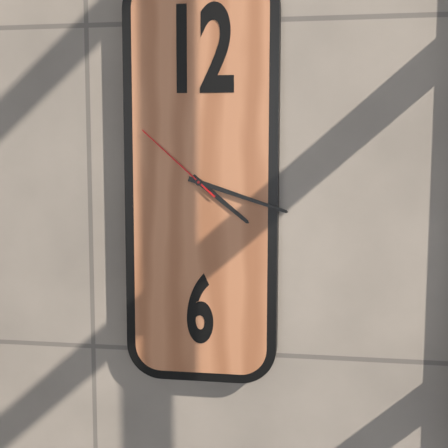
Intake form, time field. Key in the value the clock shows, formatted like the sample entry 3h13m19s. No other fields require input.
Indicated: 4h18m52s
